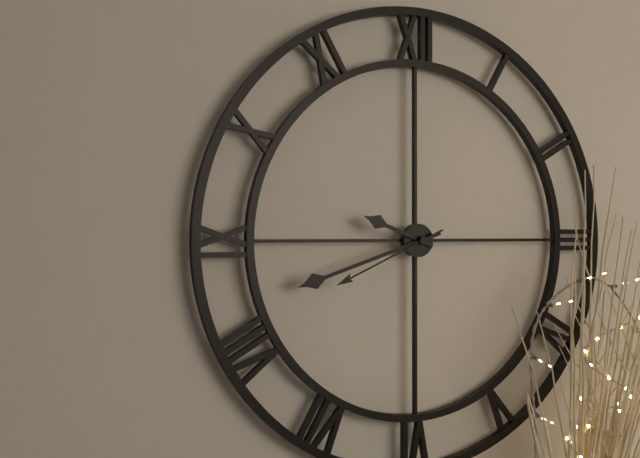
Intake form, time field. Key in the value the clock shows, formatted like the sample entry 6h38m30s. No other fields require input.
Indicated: 9h42m41s
